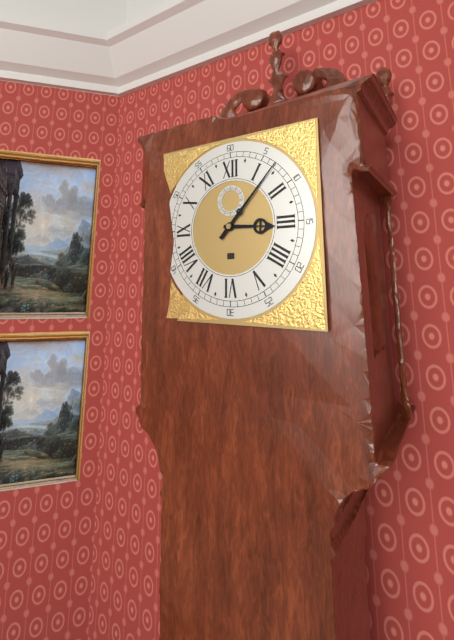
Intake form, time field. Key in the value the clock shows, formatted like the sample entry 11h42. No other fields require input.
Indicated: 3h07
